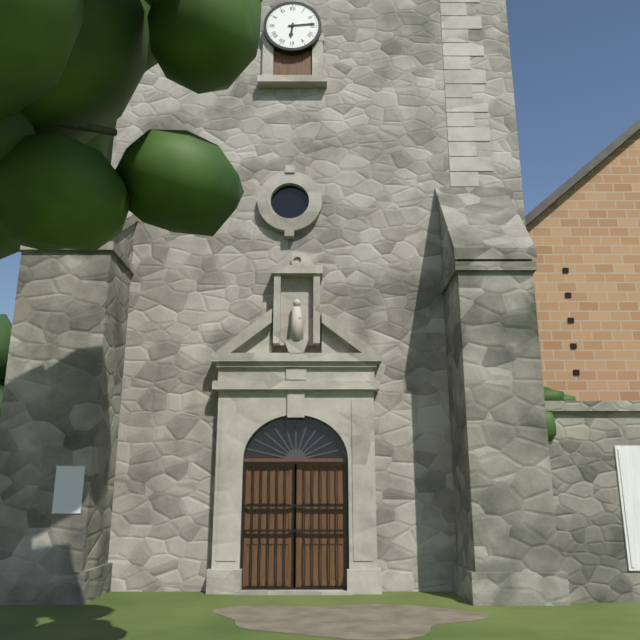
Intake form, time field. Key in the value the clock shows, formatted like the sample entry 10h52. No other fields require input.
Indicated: 6h14
